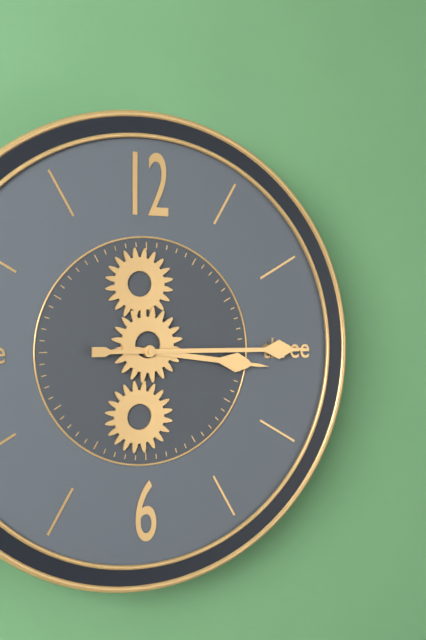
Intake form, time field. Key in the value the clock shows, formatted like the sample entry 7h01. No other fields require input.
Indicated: 3h15
